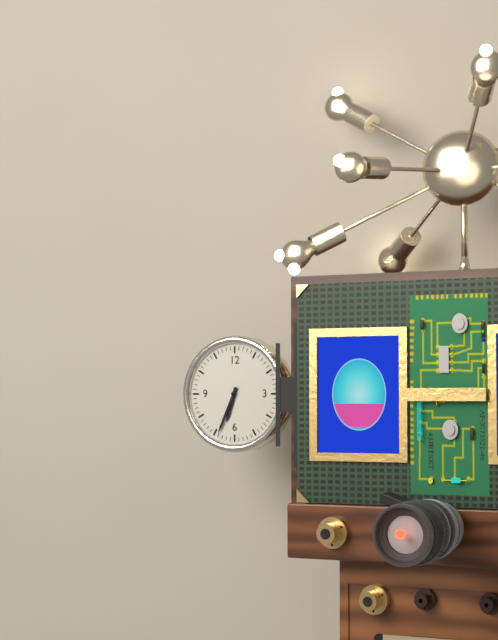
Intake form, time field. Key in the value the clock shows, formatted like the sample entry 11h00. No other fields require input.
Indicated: 6h34
